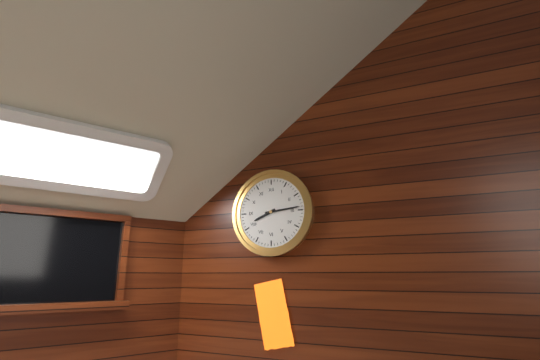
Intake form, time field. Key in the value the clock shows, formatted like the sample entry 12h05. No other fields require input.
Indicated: 8h14
